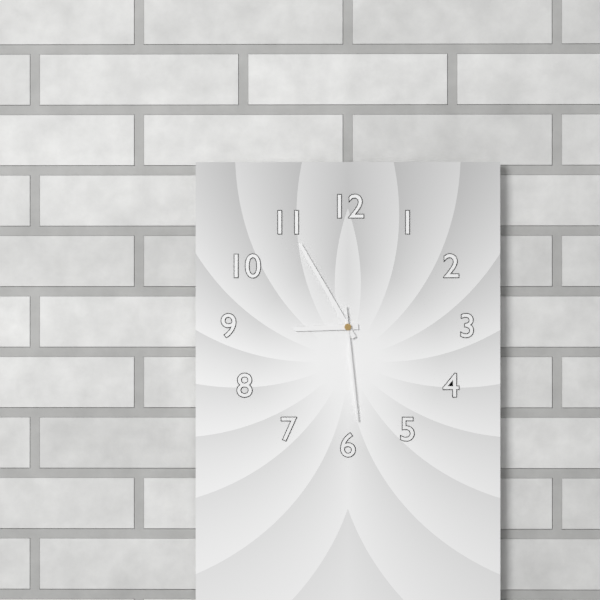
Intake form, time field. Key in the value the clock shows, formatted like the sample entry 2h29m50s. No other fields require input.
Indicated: 8h55m29s
